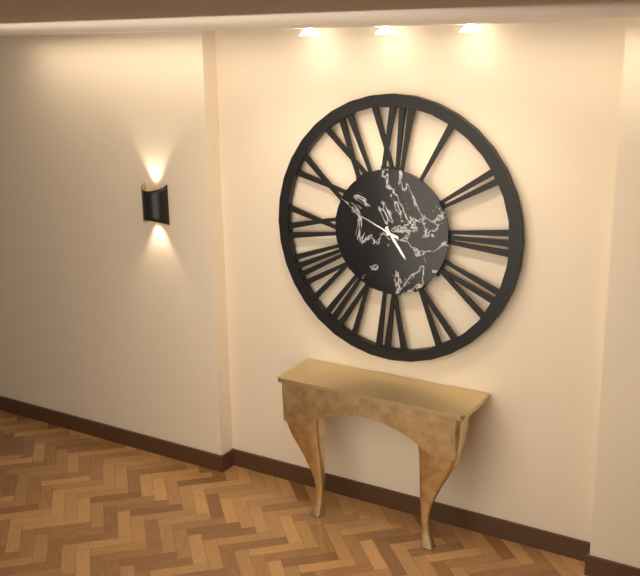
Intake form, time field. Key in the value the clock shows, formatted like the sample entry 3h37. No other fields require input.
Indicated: 4h49
